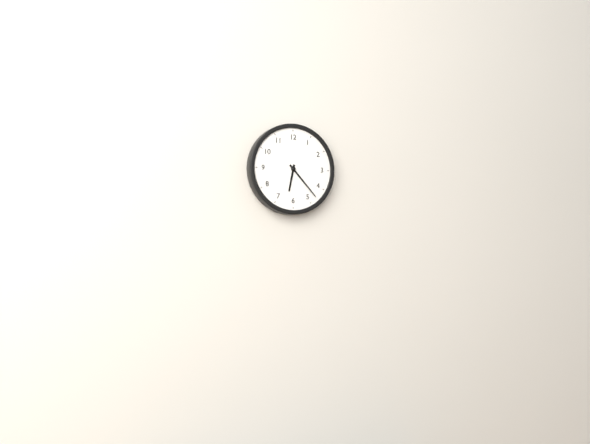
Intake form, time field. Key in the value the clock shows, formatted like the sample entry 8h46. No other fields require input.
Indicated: 6h23
